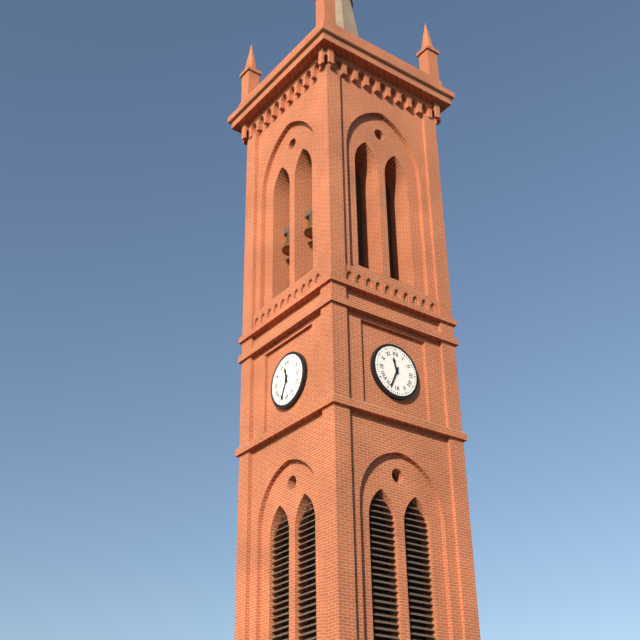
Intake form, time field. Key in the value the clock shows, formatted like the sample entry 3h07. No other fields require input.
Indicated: 11h34
